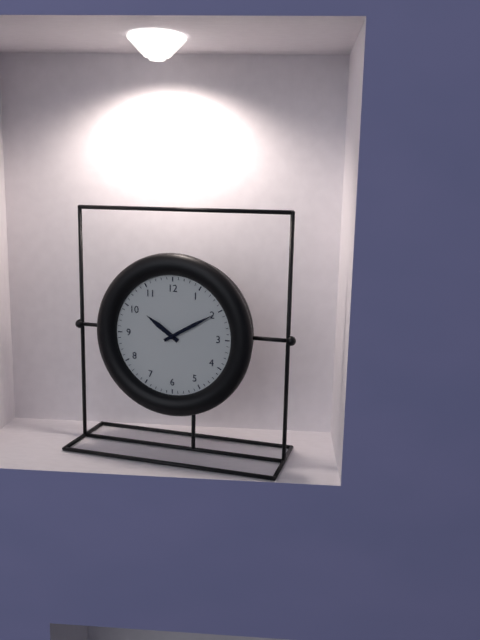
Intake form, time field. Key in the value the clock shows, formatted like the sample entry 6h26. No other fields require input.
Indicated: 10h10
